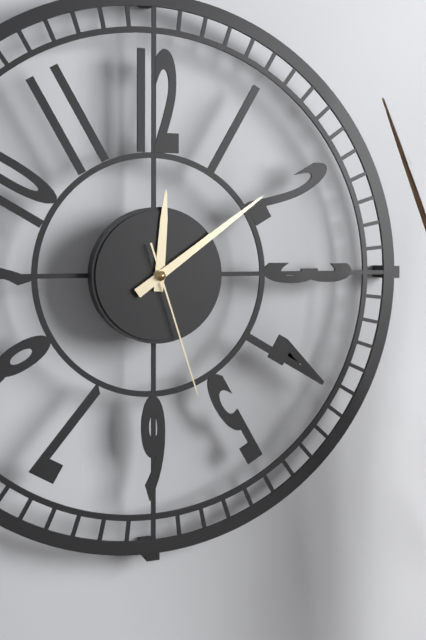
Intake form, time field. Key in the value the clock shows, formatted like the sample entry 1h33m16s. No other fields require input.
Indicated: 12h09m27s
